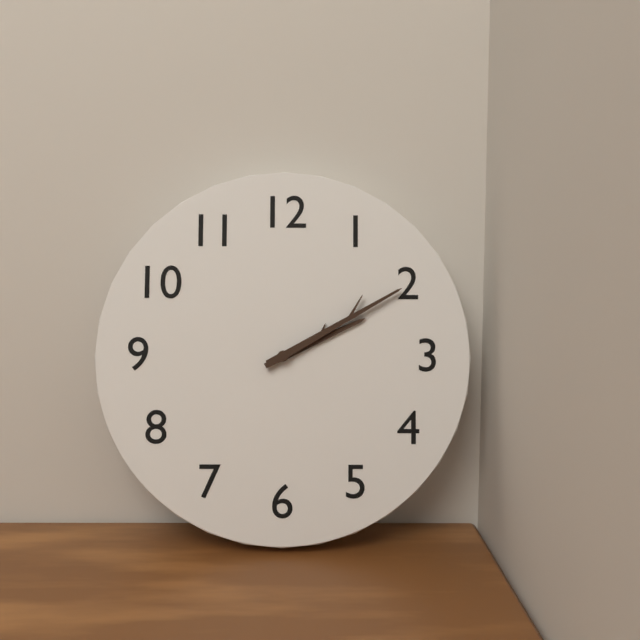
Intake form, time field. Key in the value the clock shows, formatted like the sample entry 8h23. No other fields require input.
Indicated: 2h10
